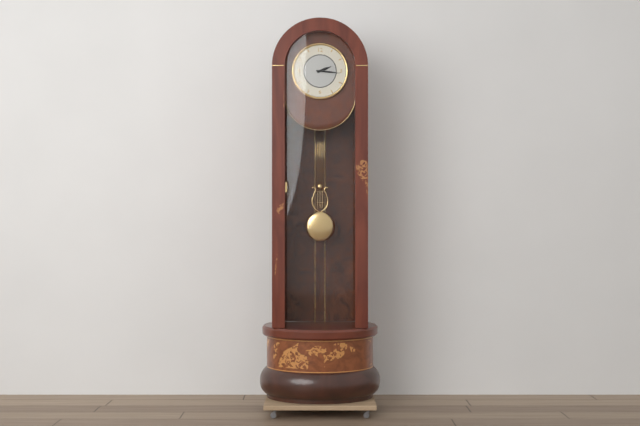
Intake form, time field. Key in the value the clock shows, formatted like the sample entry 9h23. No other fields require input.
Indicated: 2h16
